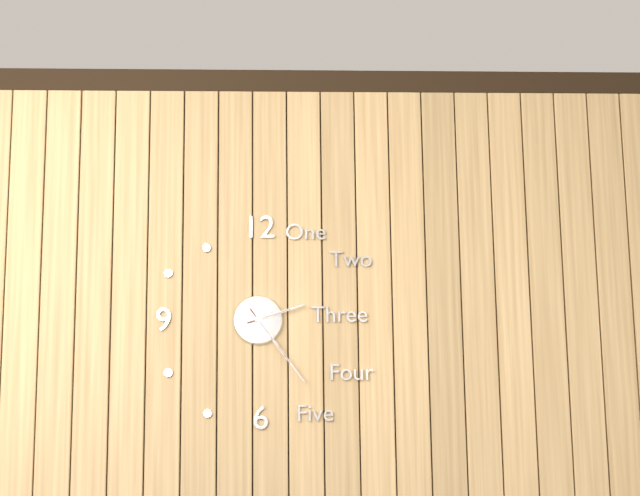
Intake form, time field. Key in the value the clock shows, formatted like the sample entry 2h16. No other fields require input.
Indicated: 2h24
